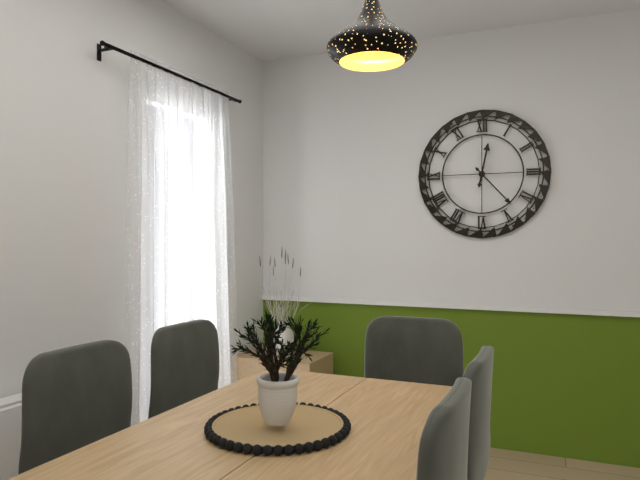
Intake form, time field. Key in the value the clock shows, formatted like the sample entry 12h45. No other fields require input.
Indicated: 12h23
